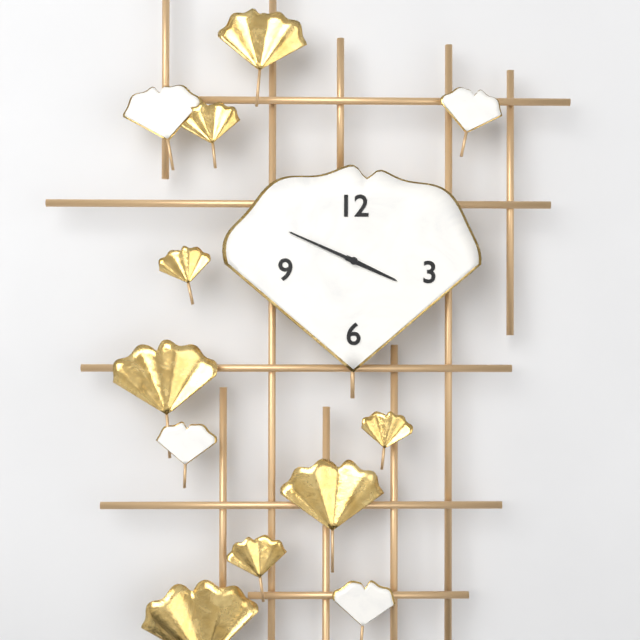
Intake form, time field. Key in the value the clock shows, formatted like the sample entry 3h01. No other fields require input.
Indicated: 3h49
